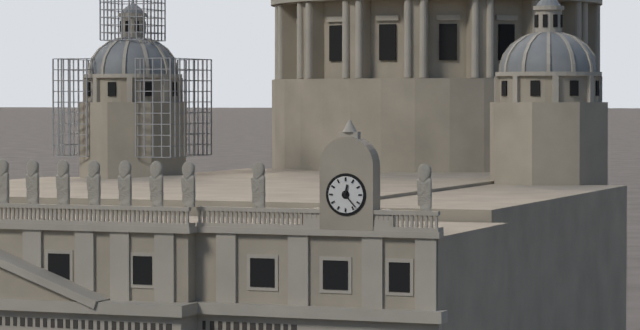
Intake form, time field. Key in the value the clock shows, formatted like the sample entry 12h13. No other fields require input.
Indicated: 12h23
